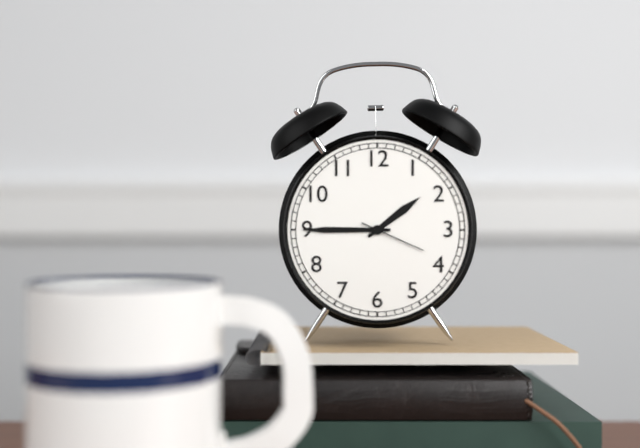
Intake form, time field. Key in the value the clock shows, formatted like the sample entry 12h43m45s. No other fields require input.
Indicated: 1h45m19s
